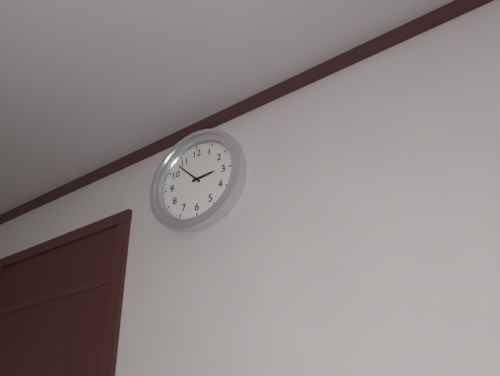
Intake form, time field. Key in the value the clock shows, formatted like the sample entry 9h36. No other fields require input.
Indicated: 2h53
